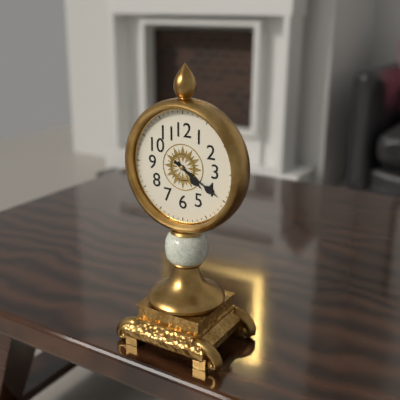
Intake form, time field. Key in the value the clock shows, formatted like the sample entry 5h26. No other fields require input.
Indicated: 4h20
